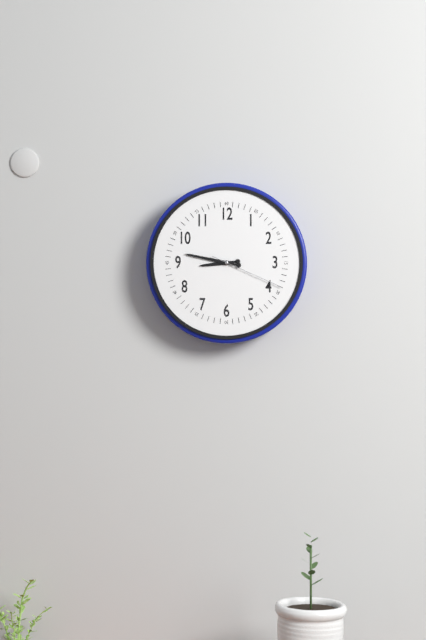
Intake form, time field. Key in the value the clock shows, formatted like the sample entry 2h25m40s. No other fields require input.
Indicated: 8h47m19s
